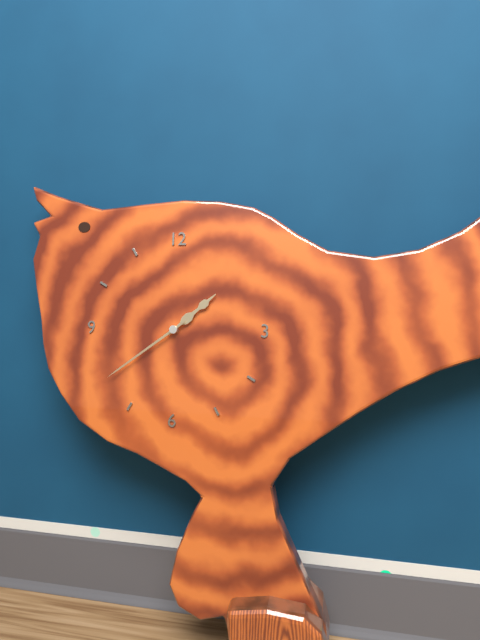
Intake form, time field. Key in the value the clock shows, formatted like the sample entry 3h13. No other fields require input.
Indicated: 1h39
